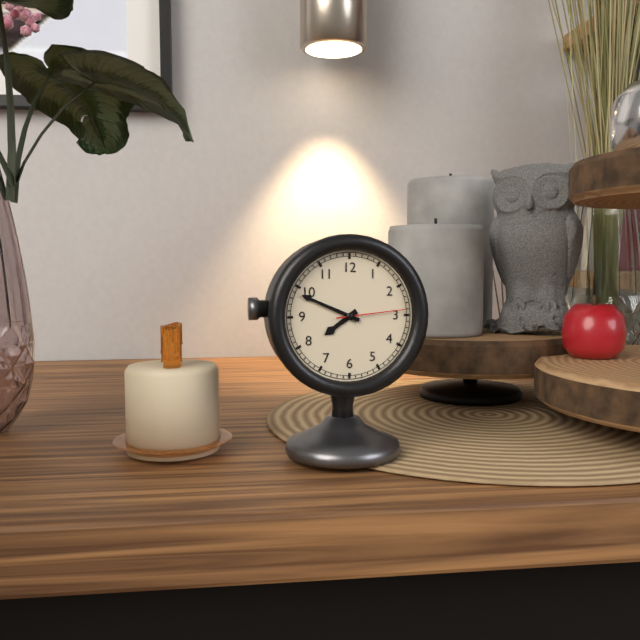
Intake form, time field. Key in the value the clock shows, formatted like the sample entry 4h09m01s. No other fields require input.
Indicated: 7h49m14s
